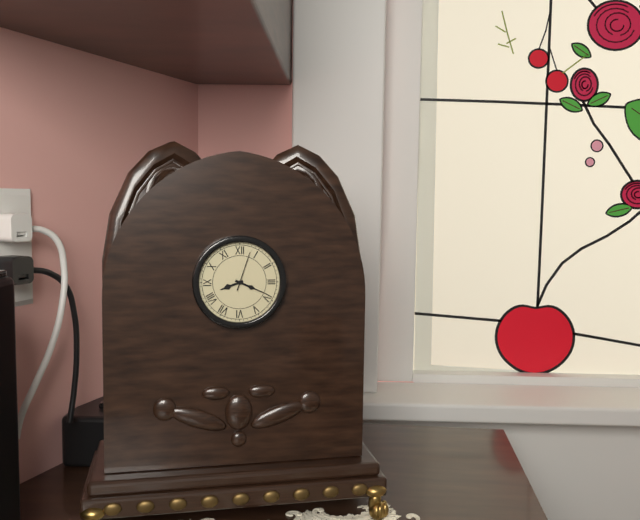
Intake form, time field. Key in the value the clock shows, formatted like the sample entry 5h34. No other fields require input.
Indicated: 8h19
